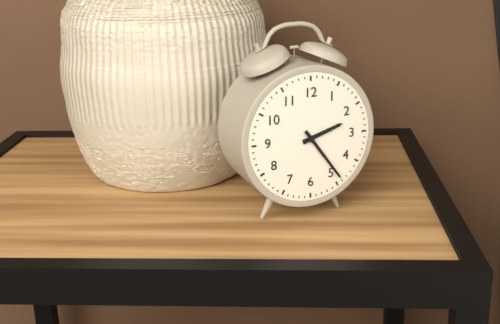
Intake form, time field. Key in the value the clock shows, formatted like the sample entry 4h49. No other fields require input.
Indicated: 2h24
